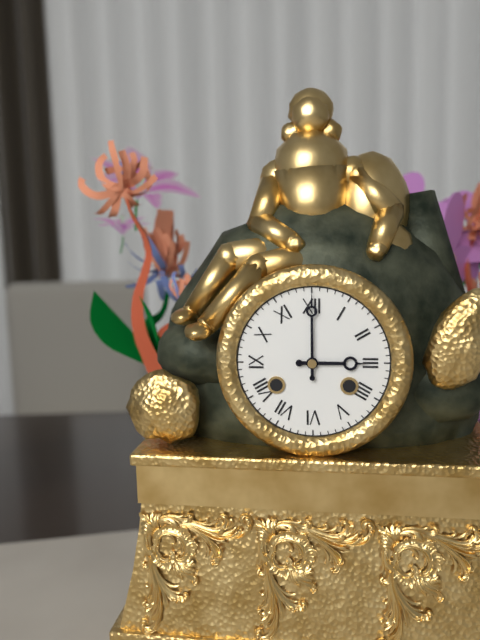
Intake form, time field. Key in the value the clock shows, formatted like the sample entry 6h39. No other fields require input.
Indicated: 3h00
